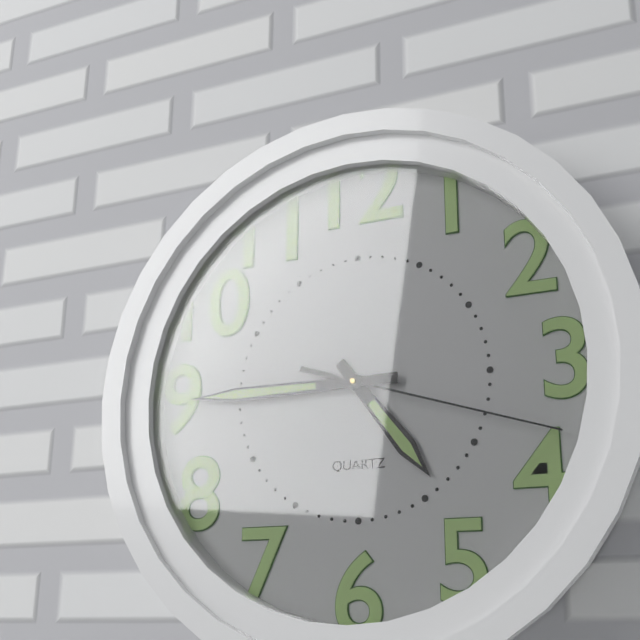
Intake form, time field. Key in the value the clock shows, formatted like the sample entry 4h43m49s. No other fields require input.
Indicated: 4h45m18s
